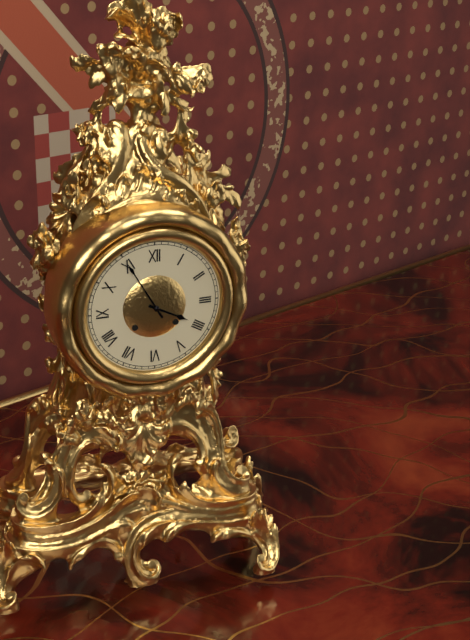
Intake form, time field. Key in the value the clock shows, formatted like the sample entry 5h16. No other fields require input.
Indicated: 3h55
